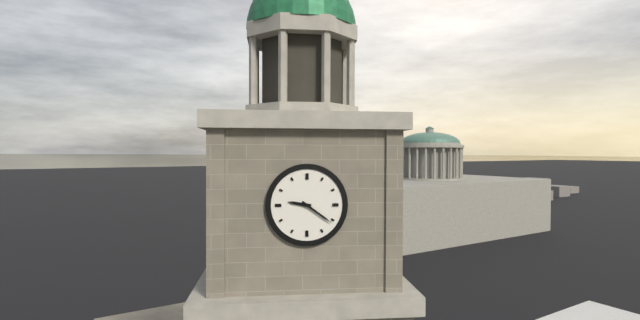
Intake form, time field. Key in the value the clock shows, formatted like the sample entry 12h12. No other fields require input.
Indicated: 9h21
